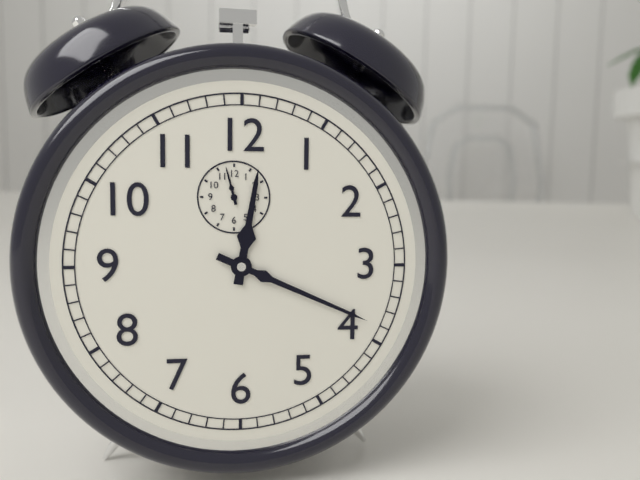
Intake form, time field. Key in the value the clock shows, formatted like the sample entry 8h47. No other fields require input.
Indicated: 12h19
